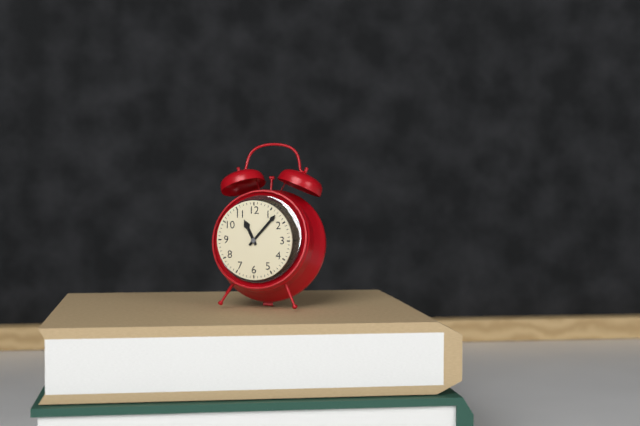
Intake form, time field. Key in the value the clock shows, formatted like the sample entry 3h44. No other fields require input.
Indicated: 11h07
